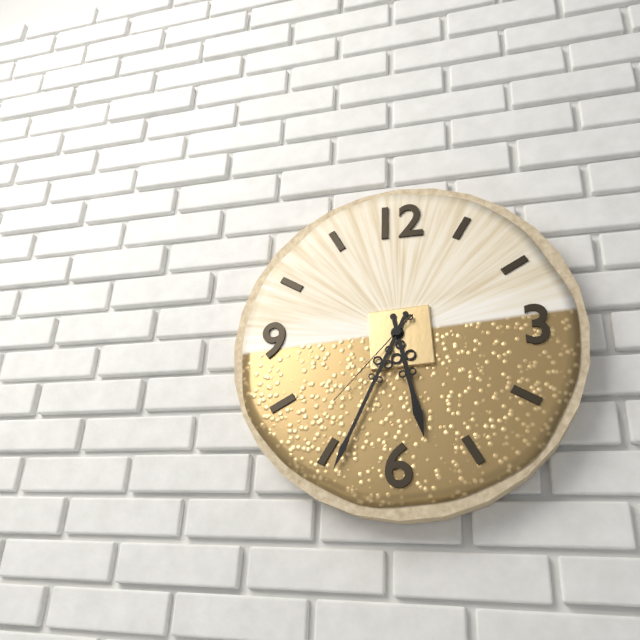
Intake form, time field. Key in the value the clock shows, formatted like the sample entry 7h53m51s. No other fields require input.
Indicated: 5h34m37s
